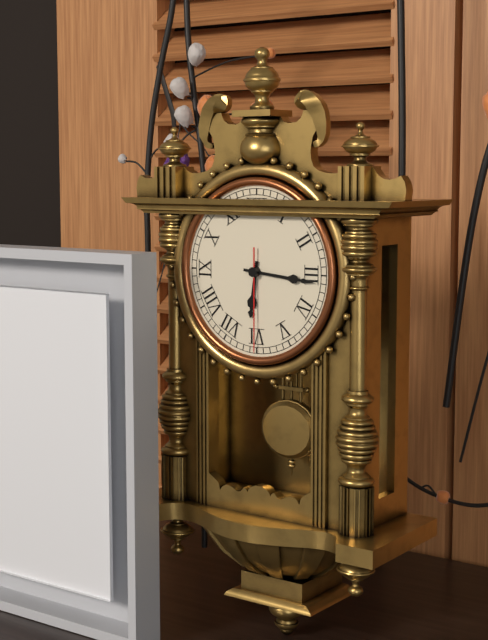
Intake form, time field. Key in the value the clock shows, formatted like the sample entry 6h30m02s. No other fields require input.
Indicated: 6h16m30s
